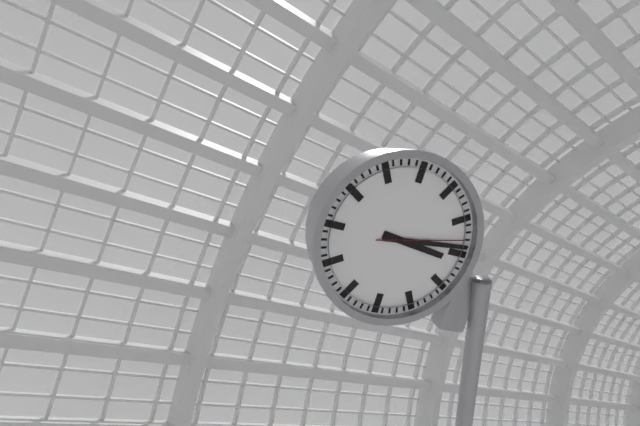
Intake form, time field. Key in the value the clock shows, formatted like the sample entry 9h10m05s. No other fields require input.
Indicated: 3h14m13s
